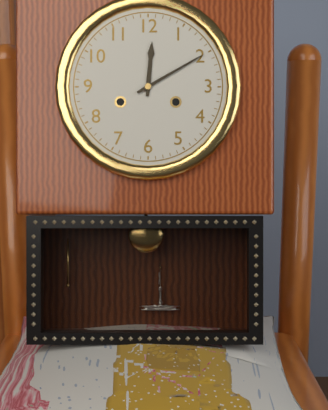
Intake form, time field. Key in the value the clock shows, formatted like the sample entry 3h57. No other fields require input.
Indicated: 12h10
